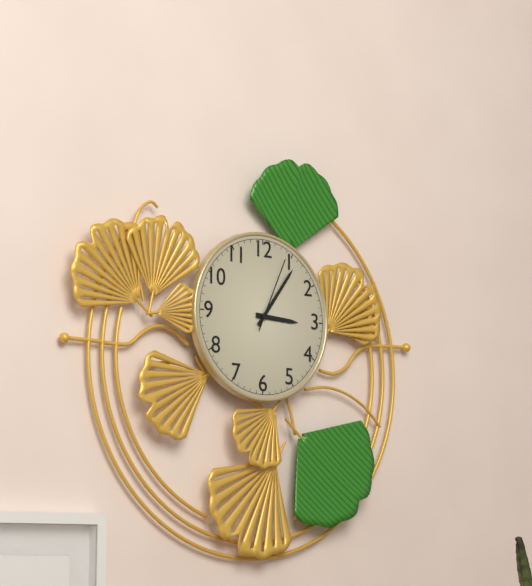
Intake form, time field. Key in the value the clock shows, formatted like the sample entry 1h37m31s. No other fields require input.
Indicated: 3h06m04s
